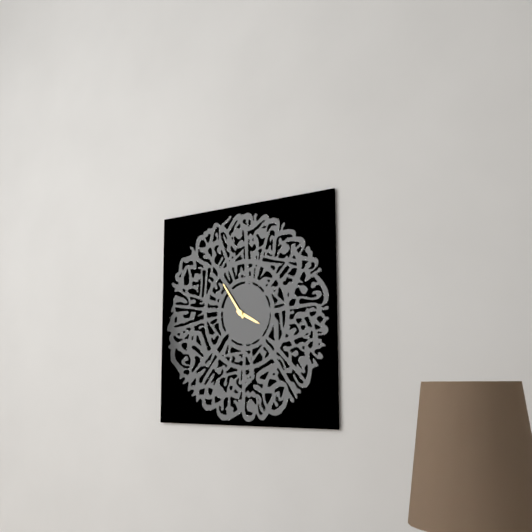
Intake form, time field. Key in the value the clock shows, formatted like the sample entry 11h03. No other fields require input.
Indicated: 3h54
